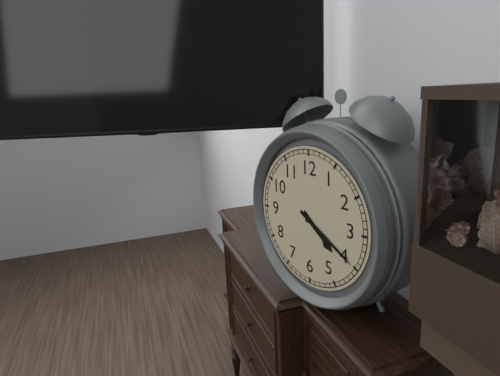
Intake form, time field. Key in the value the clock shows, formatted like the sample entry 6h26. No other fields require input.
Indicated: 4h20
